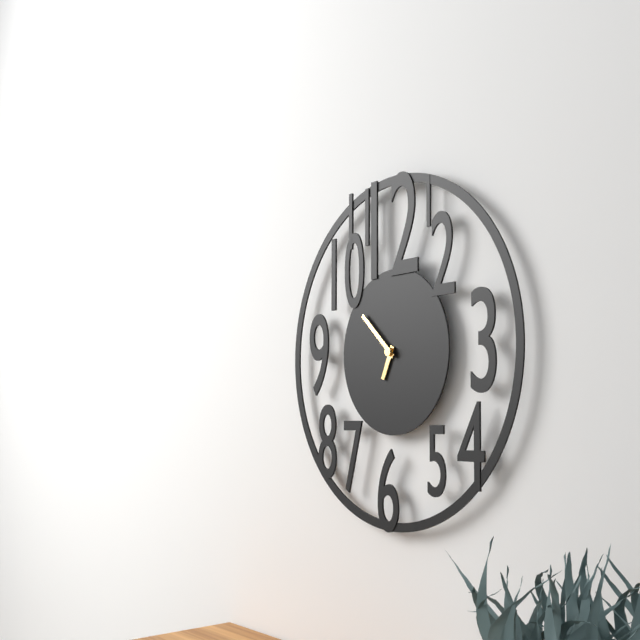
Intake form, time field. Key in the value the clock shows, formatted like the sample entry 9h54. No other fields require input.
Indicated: 6h52
